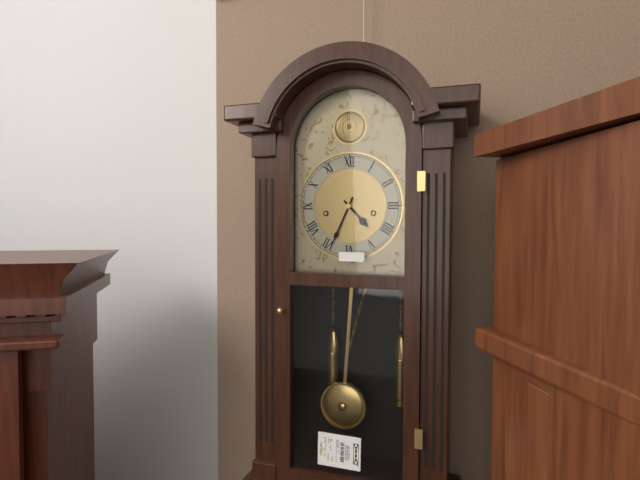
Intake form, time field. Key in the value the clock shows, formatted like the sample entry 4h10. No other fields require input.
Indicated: 4h34
